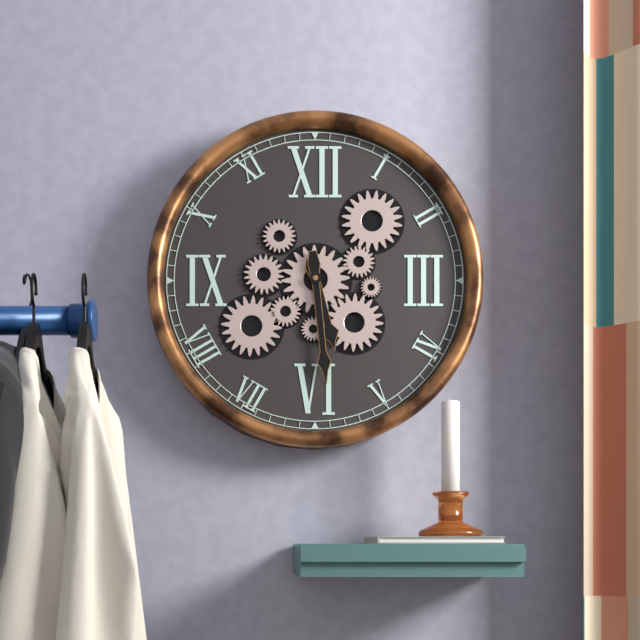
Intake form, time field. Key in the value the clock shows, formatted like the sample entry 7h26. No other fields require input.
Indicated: 5h29
